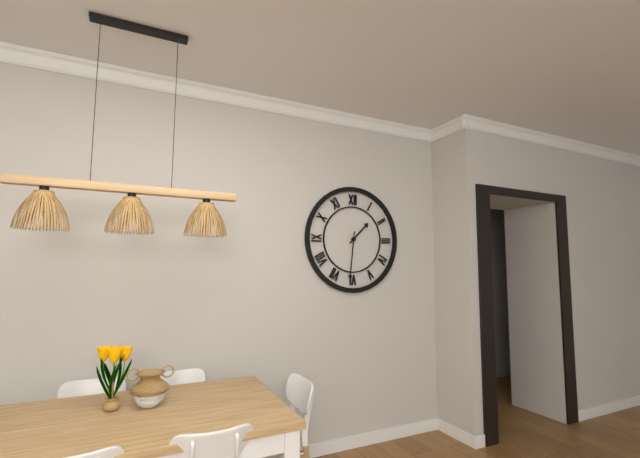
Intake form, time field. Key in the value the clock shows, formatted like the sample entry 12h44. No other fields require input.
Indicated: 1h31
